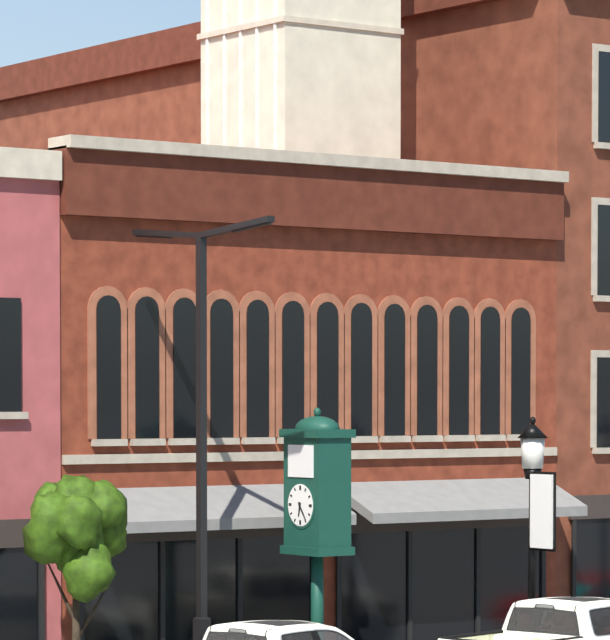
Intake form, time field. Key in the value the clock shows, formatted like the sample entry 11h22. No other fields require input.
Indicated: 6h24
